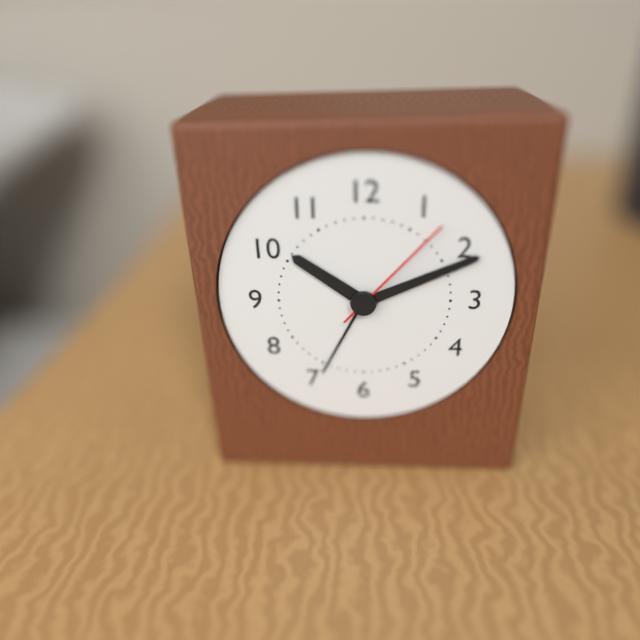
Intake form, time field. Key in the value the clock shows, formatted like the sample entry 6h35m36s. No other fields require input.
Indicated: 10h11m07s
